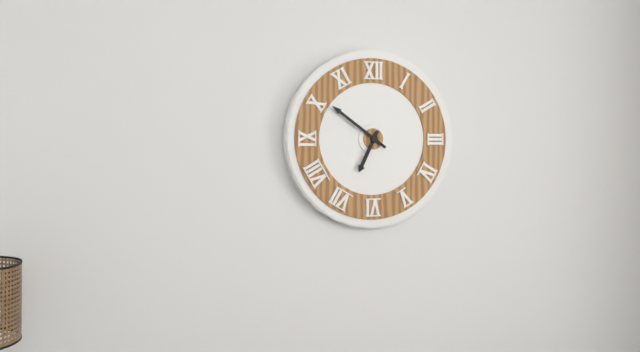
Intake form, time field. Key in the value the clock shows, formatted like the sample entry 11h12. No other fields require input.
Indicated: 6h51
